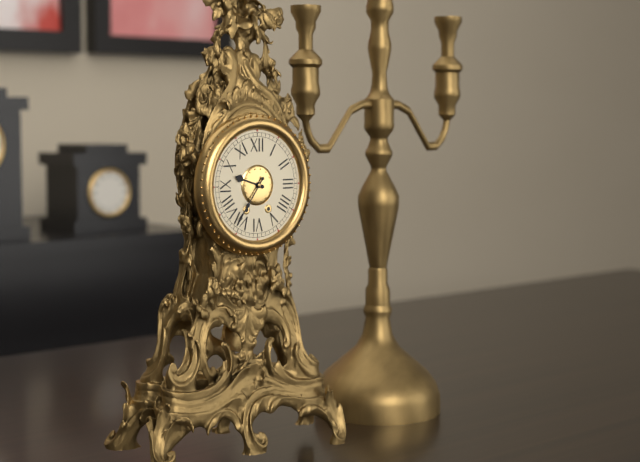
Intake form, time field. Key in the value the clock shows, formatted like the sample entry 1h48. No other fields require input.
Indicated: 9h36
